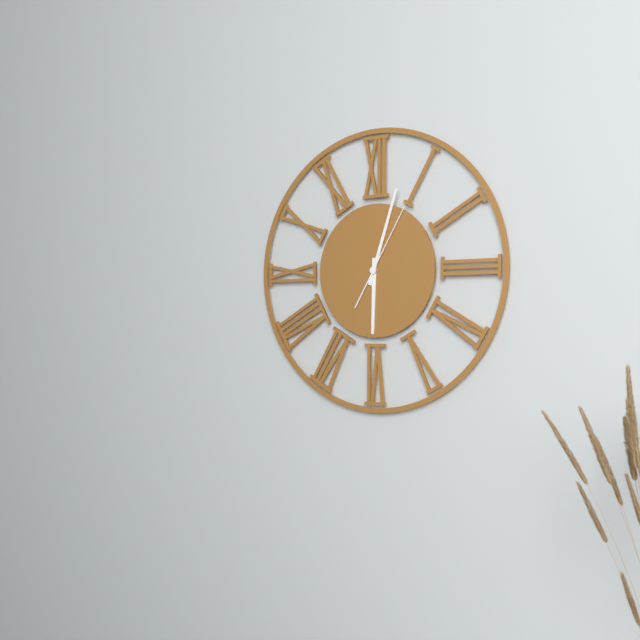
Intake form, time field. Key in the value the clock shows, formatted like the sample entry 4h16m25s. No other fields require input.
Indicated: 6h03m05s
